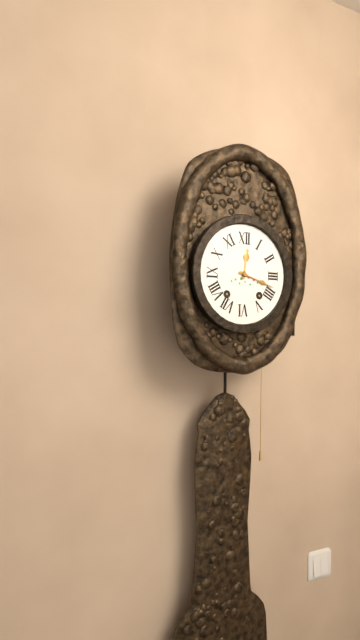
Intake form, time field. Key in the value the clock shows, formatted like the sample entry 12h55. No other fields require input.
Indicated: 12h18
